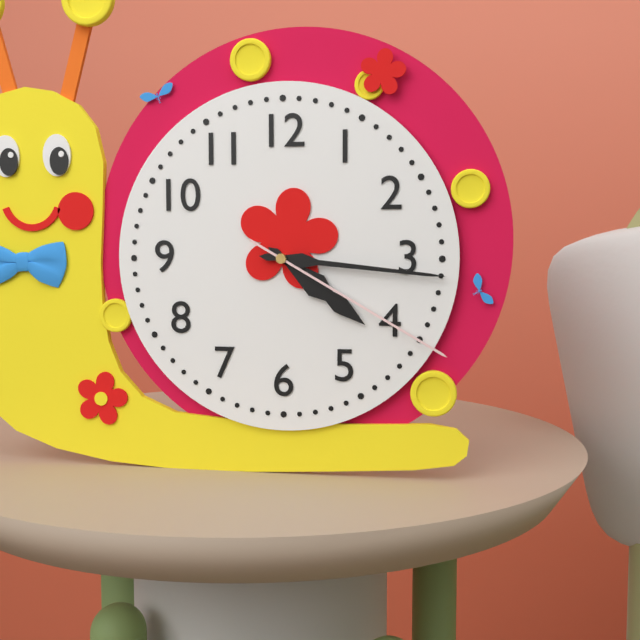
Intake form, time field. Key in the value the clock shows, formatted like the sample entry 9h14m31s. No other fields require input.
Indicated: 4h16m20s
